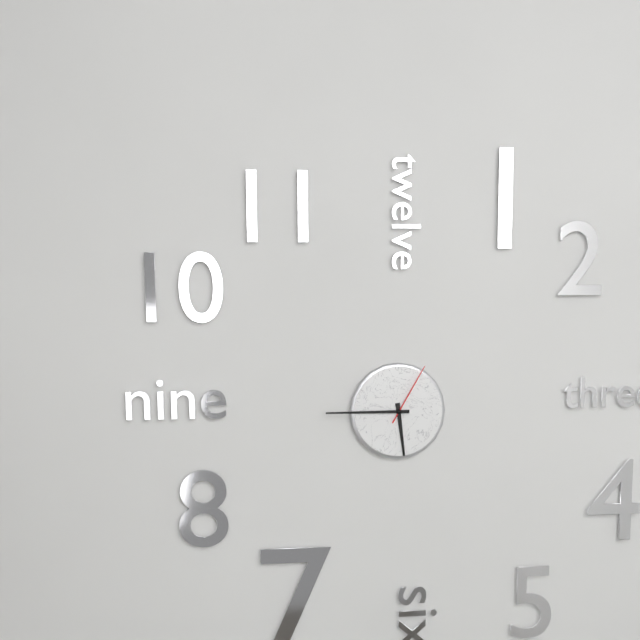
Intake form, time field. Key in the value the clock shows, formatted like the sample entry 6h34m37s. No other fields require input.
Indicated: 5h45m05s
